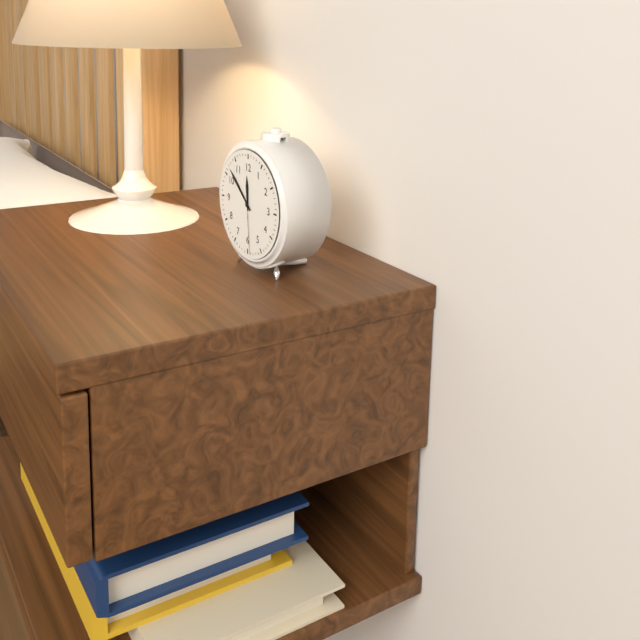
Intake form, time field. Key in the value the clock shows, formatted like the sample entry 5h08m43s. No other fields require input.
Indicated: 11h52m29s
